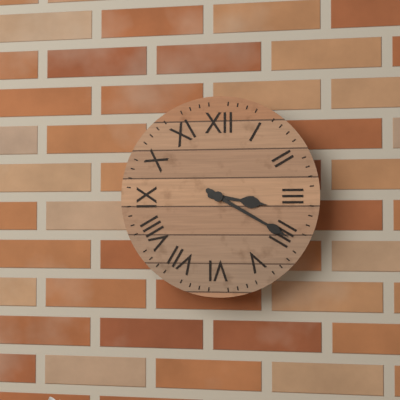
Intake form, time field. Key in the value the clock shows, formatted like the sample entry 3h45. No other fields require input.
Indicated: 3h20
